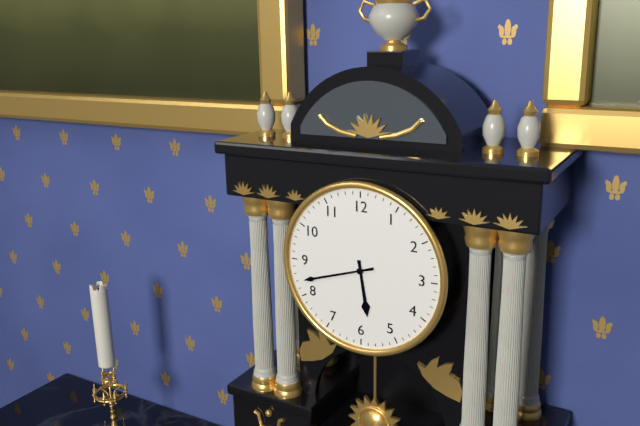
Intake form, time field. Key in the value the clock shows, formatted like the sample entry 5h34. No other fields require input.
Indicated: 5h42
